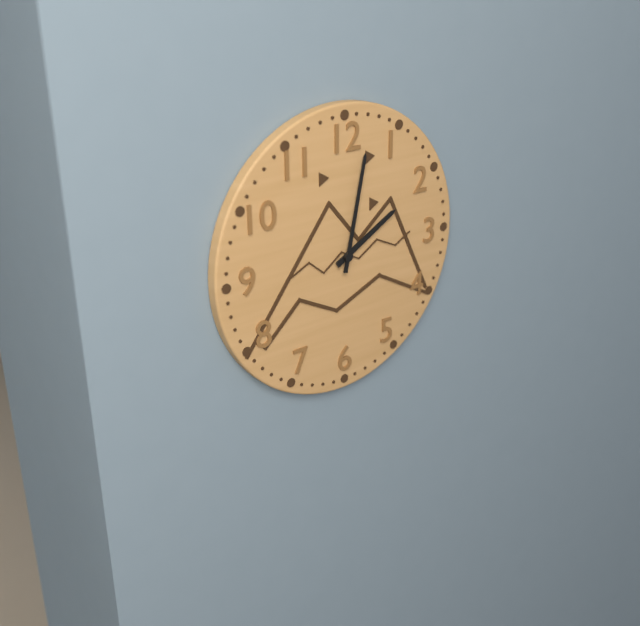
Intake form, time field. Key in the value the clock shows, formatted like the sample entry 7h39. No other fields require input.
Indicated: 2h02
